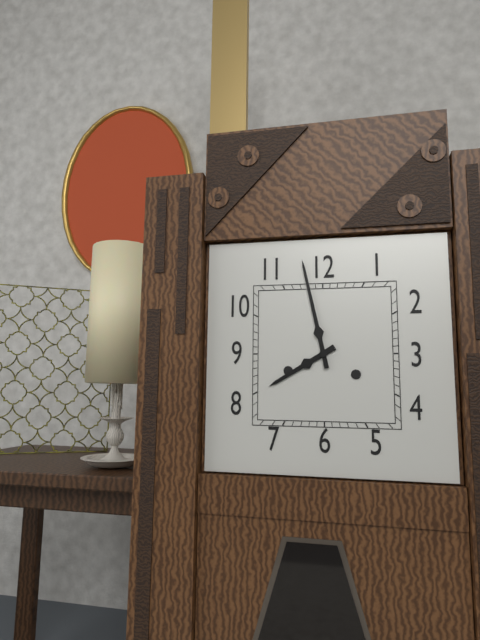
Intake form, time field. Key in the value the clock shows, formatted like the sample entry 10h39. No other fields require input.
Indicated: 7h58
